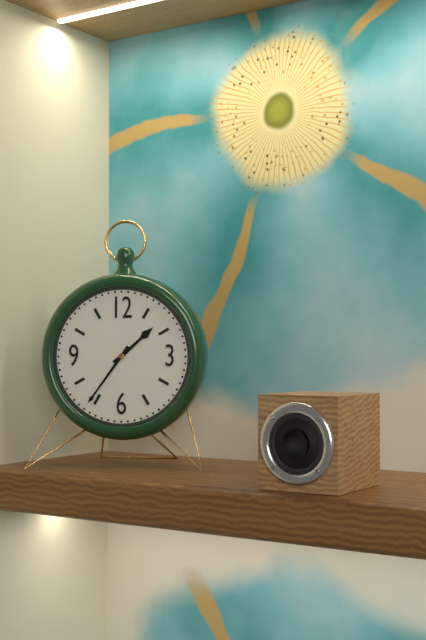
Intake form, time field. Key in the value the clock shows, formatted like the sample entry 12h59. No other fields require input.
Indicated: 1h36
